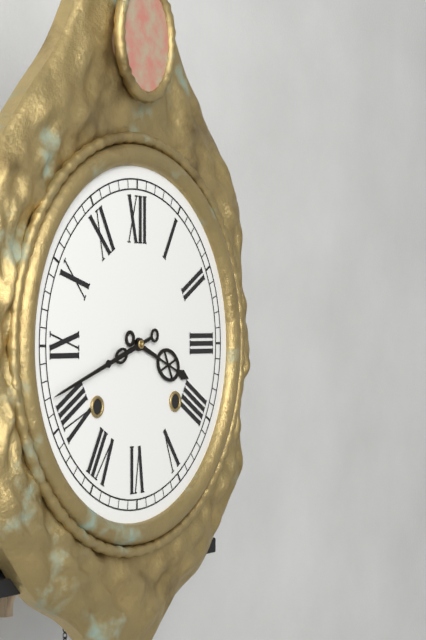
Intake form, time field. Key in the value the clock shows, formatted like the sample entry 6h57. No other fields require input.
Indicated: 3h42
